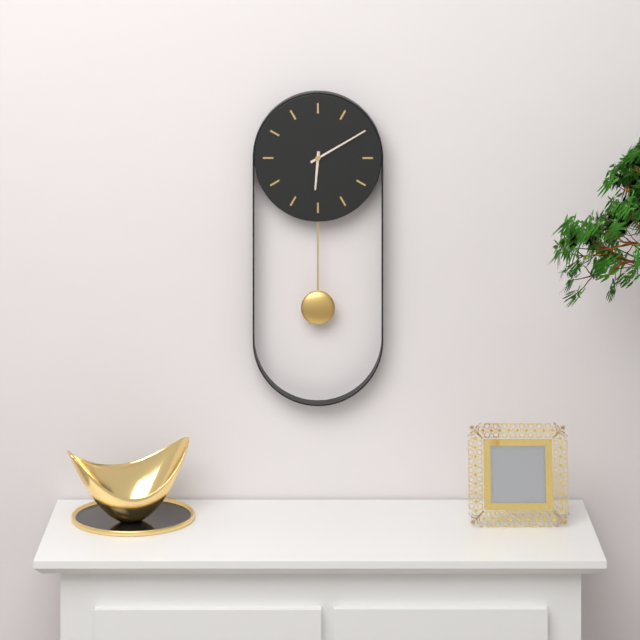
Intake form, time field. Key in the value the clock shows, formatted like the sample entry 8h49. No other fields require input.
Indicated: 6h10
